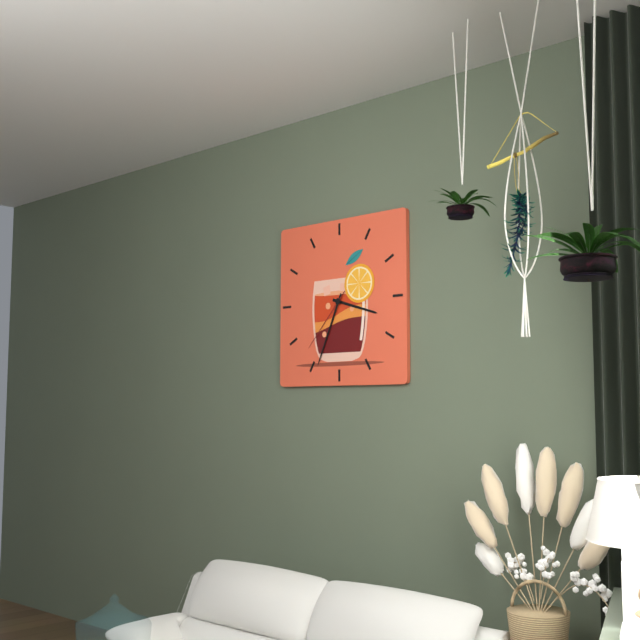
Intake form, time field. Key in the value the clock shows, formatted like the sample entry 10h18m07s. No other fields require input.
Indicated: 3h34m37s
